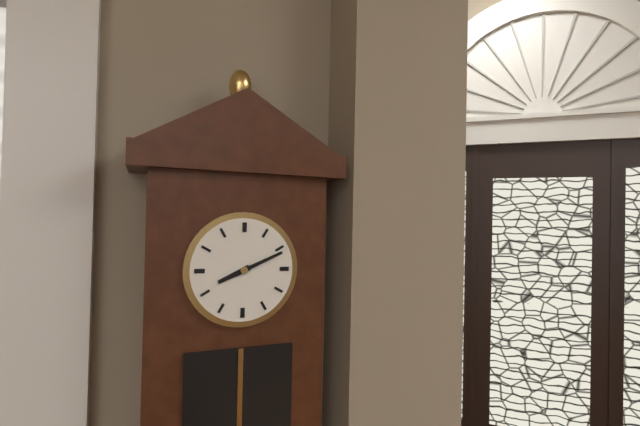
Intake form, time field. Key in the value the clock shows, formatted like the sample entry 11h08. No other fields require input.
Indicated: 8h11
